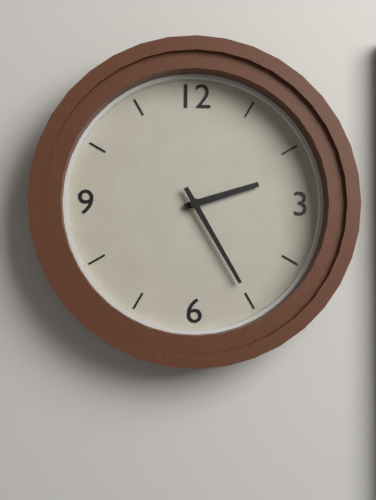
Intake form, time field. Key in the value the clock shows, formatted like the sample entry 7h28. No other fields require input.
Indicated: 2h25
